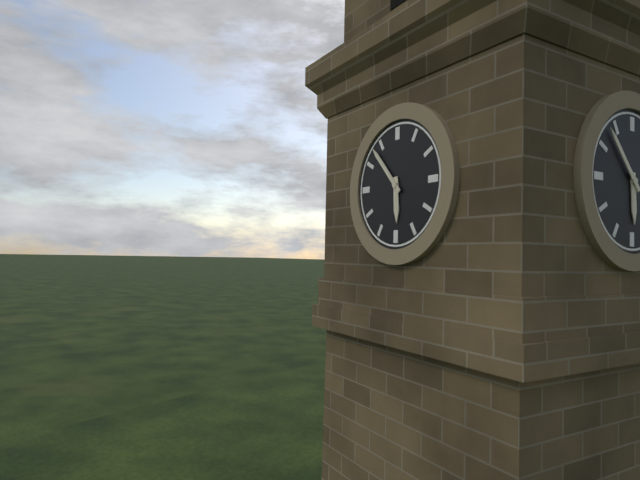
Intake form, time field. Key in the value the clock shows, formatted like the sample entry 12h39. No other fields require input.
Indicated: 5h53
